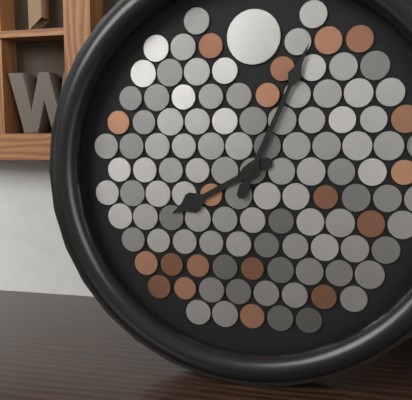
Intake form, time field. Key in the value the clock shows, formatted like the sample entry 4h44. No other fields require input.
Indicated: 8h04
